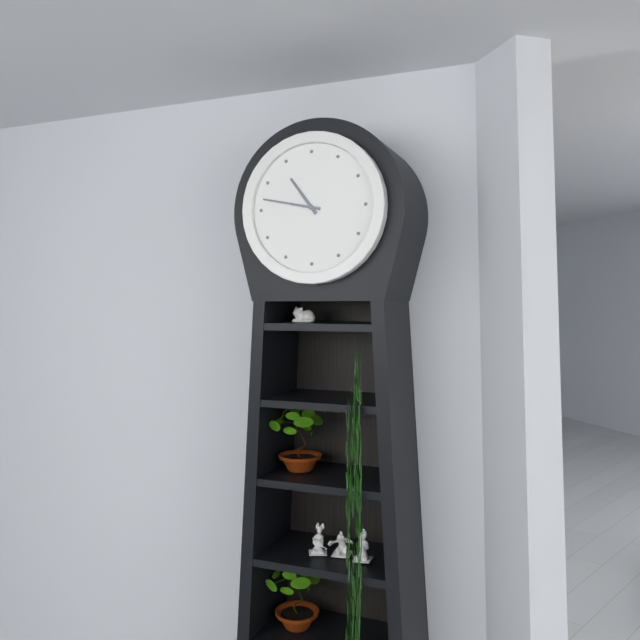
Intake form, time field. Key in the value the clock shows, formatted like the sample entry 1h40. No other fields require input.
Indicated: 10h47
